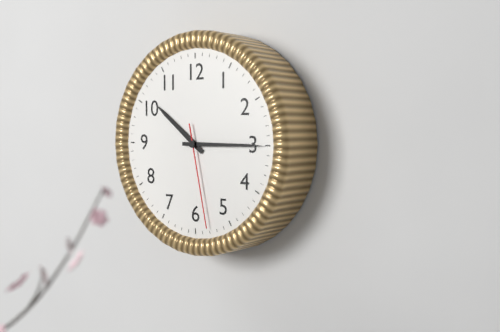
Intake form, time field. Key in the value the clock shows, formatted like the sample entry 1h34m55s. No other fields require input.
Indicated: 10h15m28s
